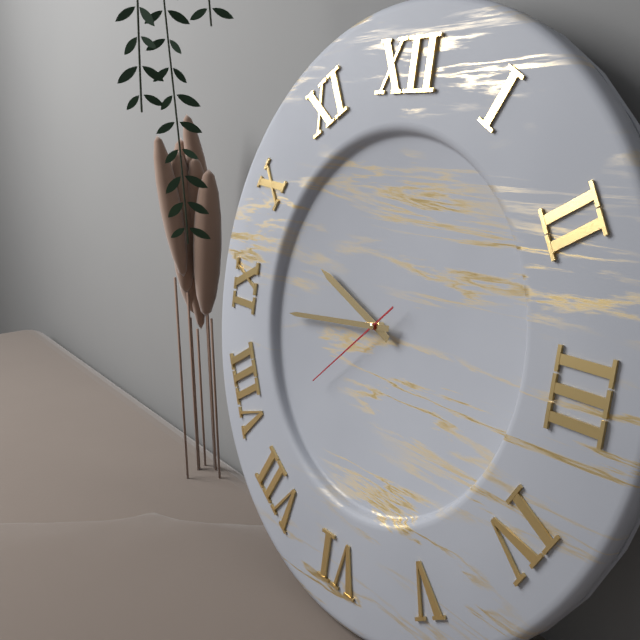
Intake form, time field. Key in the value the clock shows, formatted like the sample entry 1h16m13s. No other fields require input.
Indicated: 9h44m38s
